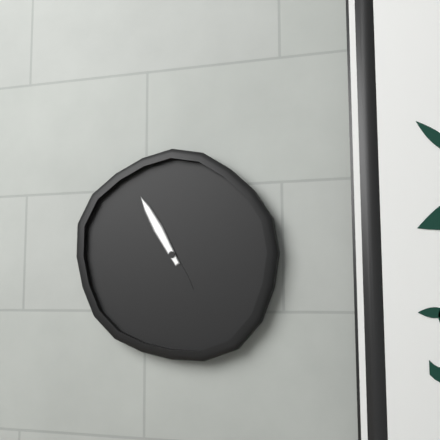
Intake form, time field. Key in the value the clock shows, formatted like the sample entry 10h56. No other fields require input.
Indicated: 4h55
